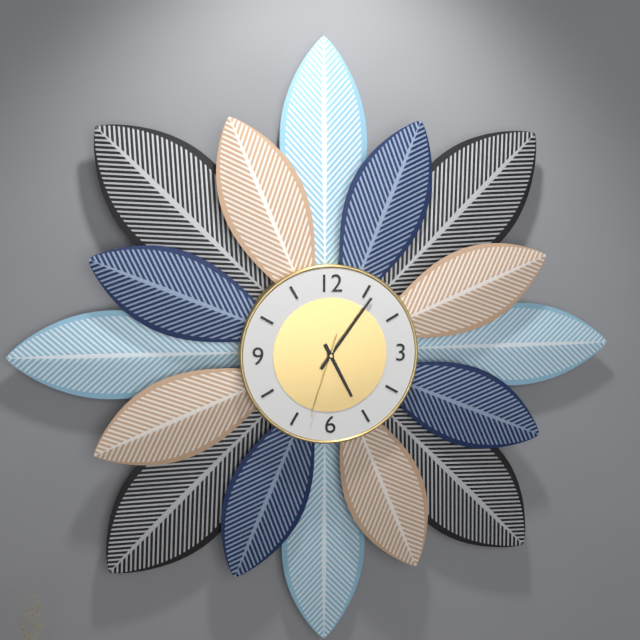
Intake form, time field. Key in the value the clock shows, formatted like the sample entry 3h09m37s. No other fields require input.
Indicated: 5h06m33s
